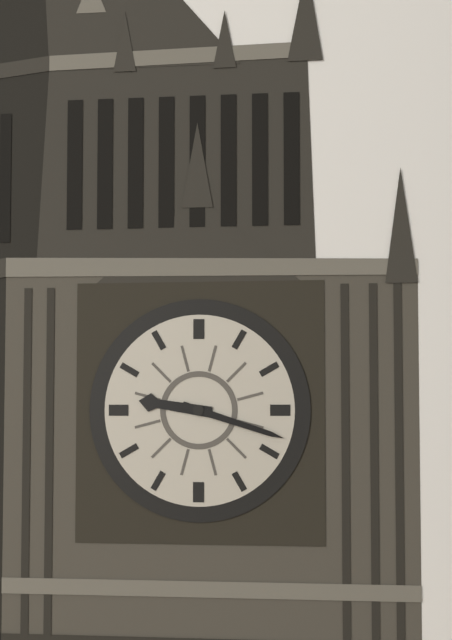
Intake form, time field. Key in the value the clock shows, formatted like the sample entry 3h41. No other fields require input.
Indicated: 9h18
